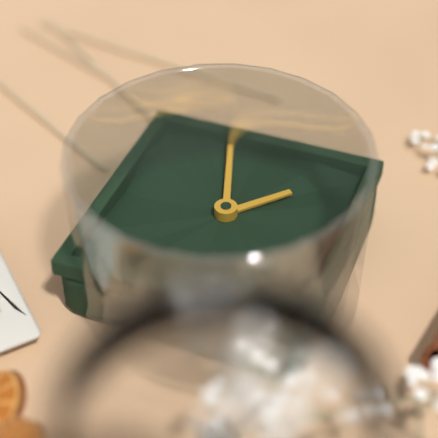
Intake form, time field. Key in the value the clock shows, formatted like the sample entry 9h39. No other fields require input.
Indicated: 7h27
